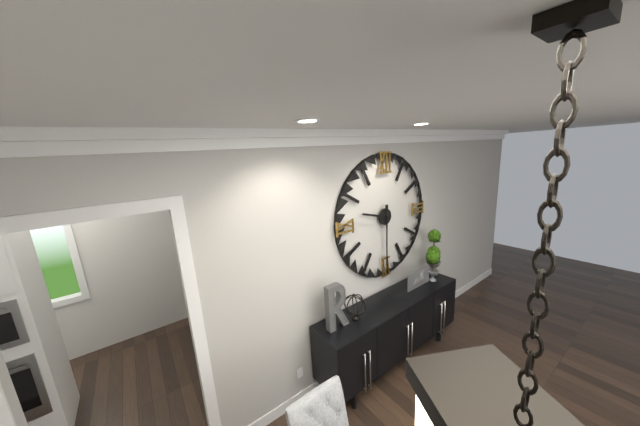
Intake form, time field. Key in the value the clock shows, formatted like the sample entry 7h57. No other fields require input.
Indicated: 9h30
